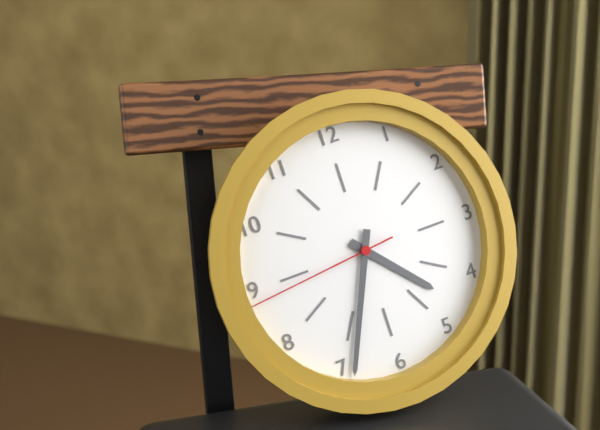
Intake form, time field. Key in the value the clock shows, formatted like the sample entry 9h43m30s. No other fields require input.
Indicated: 4h34m44s
